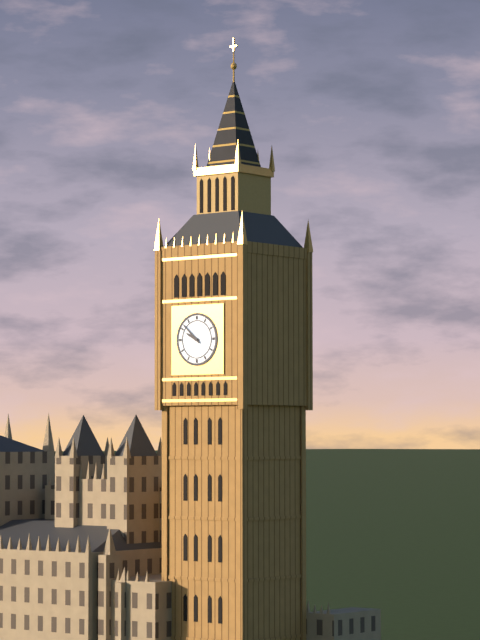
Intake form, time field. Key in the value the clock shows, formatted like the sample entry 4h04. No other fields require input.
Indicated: 9h52
